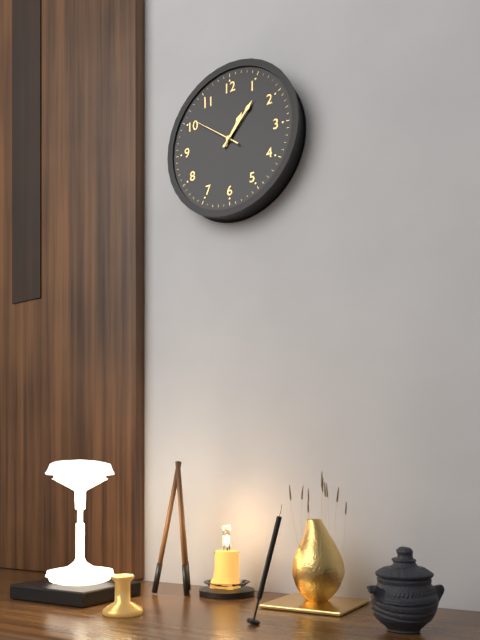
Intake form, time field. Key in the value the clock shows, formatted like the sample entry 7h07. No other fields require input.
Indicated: 1h07
